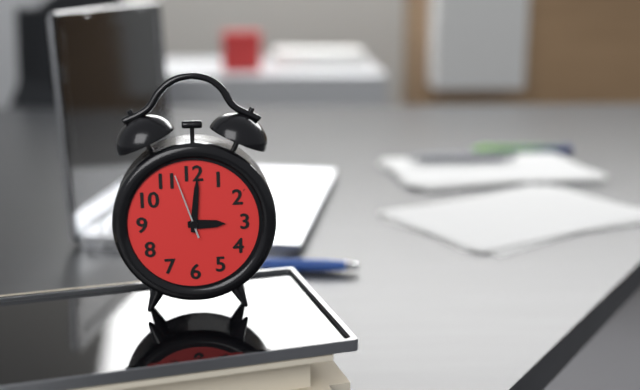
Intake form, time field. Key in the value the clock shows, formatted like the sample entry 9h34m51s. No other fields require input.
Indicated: 3h01m57s
